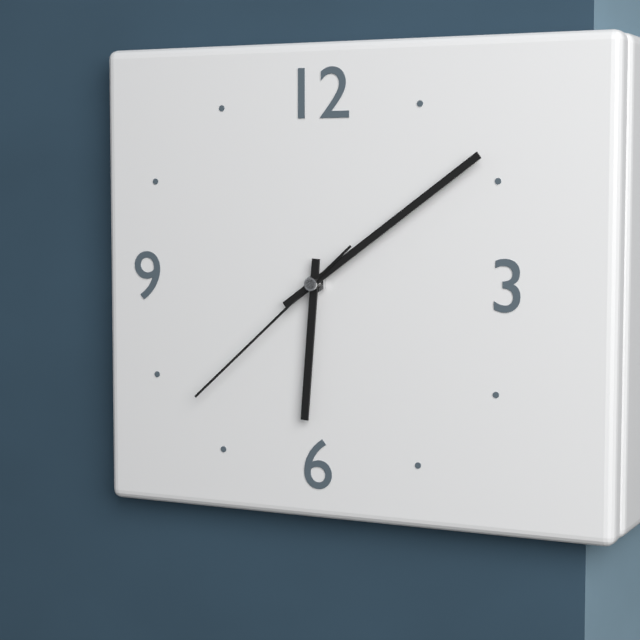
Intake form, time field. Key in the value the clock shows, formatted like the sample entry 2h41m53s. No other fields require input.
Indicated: 6h09m38s
